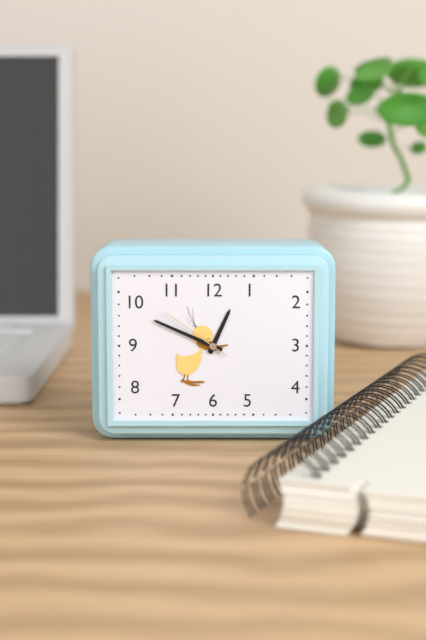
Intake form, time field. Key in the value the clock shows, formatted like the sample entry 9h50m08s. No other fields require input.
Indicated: 12h49m51s
